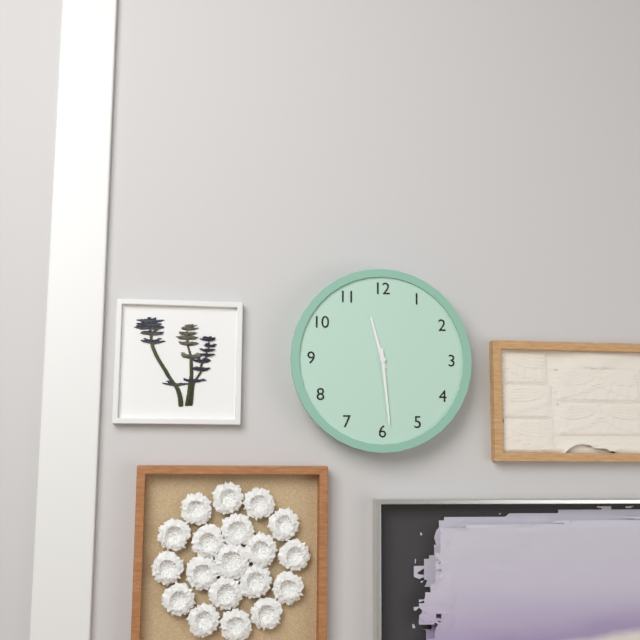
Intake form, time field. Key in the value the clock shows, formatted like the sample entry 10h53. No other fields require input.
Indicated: 11h29
